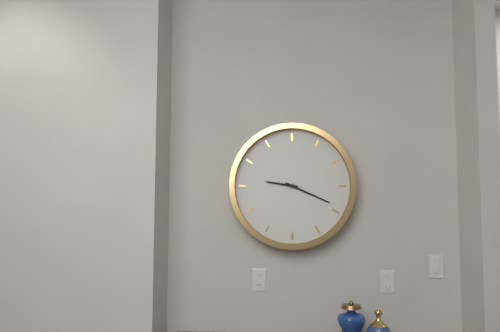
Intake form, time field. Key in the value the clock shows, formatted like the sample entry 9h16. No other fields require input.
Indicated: 9h19
